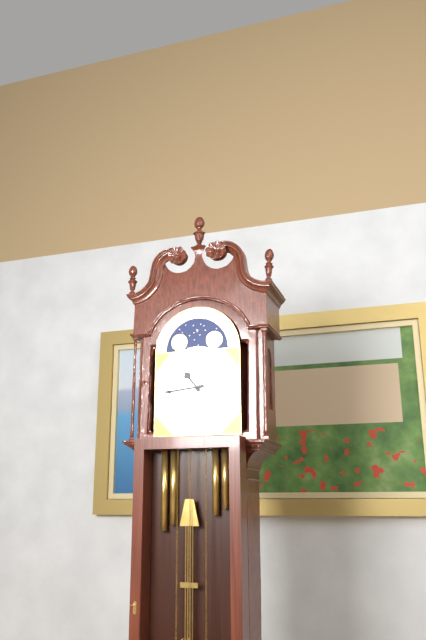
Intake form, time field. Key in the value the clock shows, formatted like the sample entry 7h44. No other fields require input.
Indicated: 10h44
